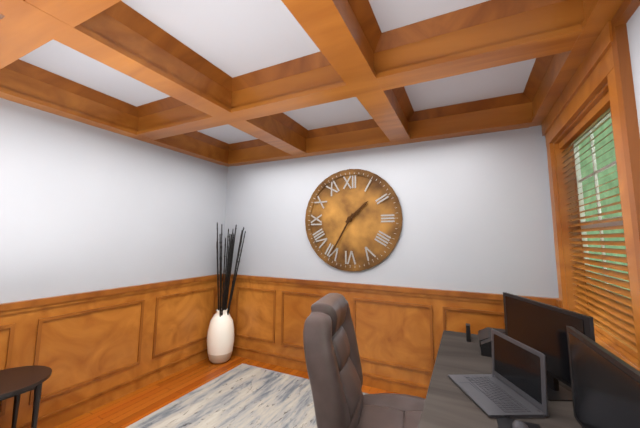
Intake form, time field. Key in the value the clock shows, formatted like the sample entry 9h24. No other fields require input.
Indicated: 1h35
